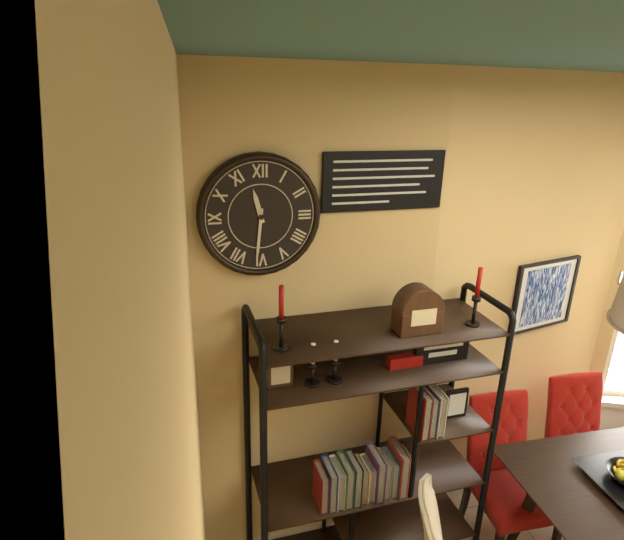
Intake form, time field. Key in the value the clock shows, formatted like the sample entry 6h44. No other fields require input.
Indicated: 11h31
